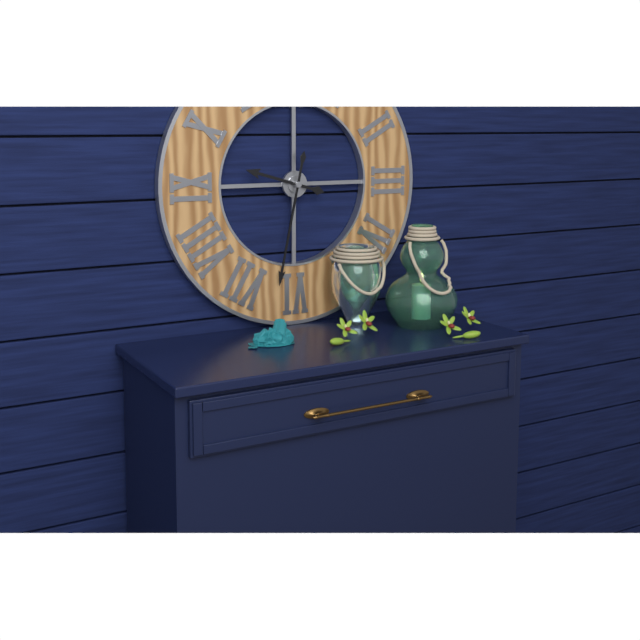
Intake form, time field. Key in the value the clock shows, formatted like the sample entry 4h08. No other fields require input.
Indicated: 9h32
